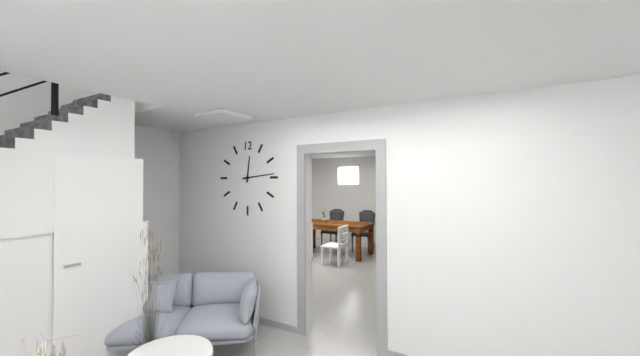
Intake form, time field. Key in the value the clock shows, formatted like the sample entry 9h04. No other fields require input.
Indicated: 12h14
